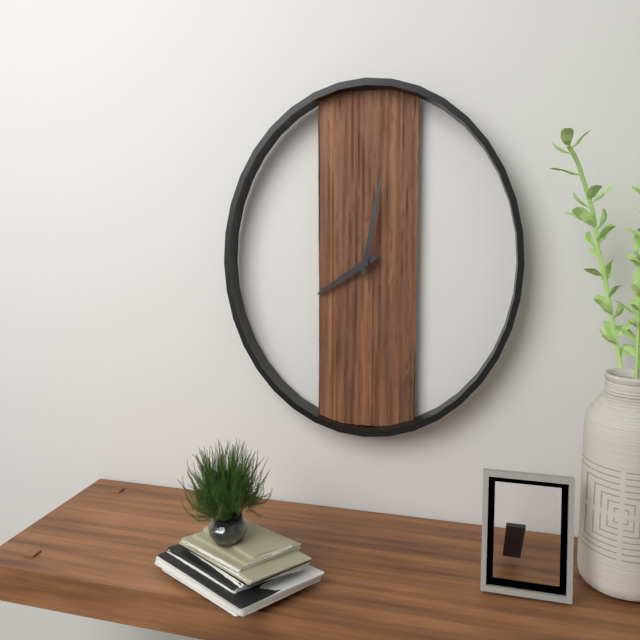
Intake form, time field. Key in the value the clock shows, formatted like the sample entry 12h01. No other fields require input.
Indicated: 8h02
